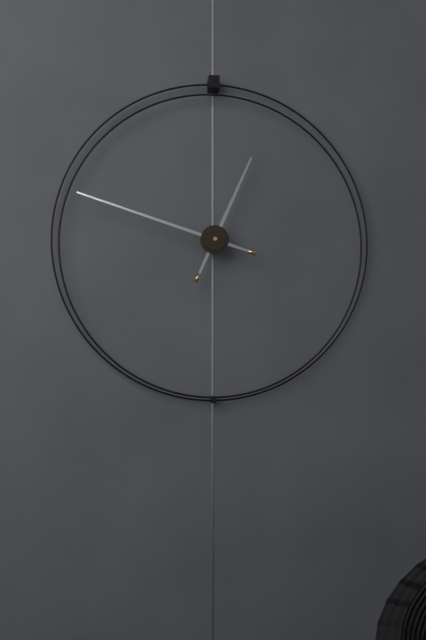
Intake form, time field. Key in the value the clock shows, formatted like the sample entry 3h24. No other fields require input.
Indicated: 12h48
